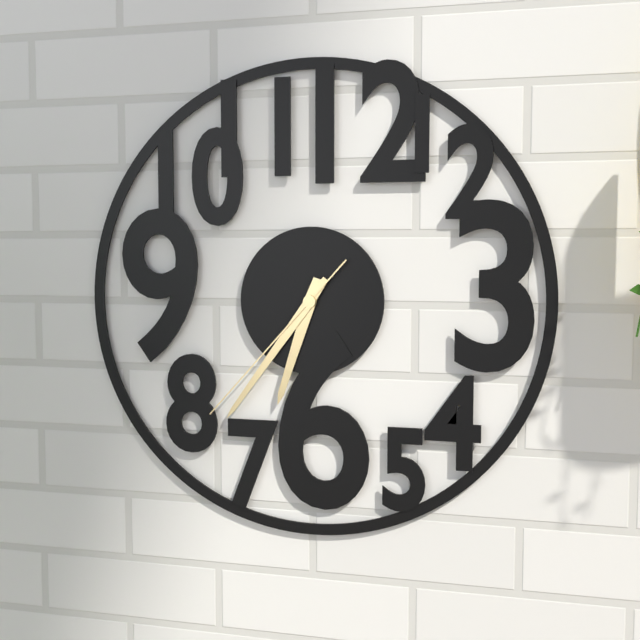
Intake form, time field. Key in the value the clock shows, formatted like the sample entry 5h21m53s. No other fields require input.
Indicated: 6h36m37s
